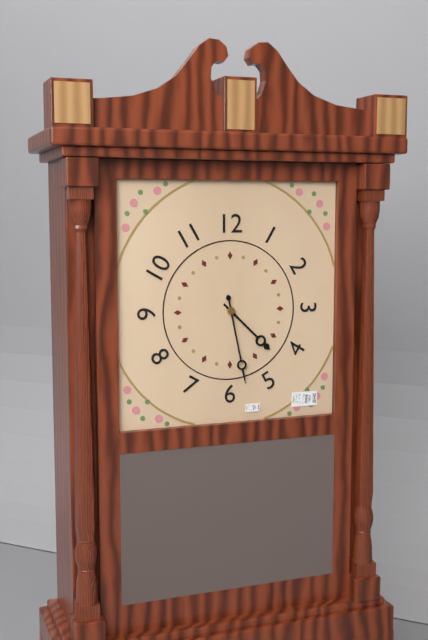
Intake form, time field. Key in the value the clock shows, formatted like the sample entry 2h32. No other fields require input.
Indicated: 4h28
